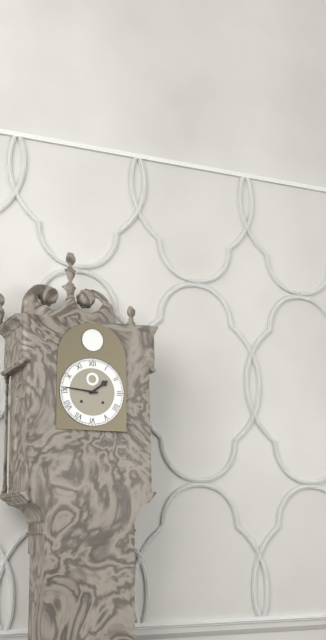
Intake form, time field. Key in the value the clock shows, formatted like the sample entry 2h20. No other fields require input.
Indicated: 1h46
